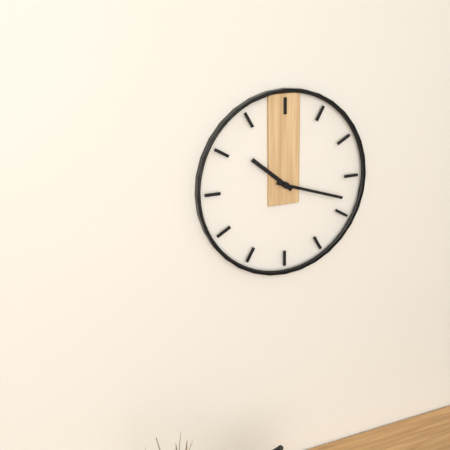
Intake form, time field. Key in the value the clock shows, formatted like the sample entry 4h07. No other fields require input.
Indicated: 10h18
